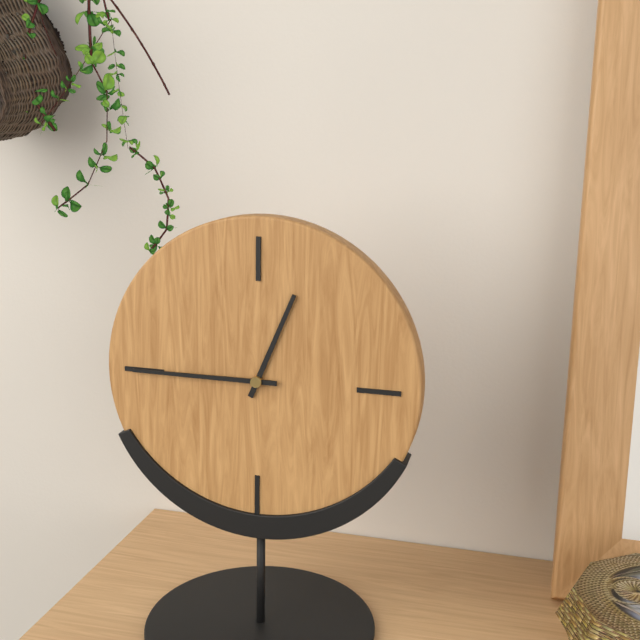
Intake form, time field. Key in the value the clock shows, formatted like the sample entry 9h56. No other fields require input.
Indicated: 12h45
